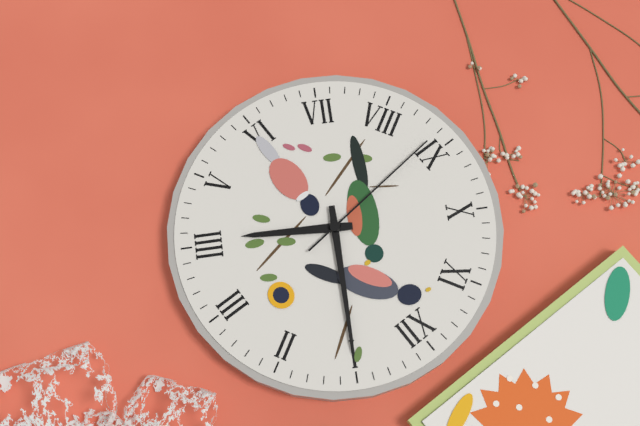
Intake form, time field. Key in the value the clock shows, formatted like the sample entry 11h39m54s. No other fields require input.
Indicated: 4h05m44s
